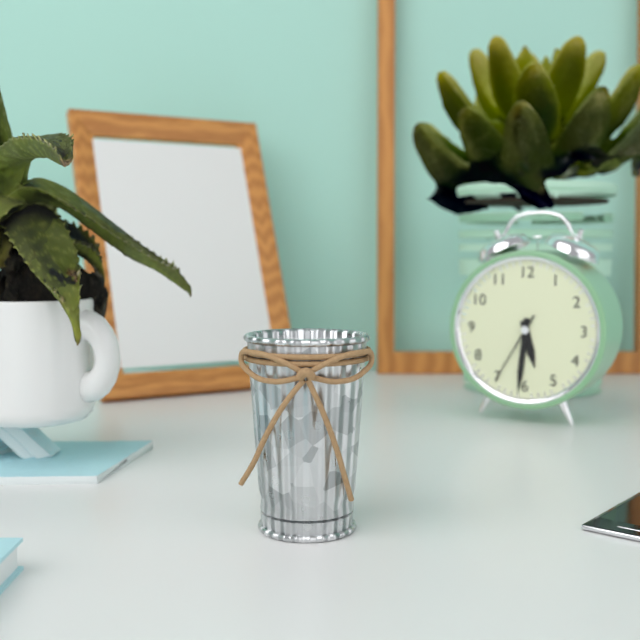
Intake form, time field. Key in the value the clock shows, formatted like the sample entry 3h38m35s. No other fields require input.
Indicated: 5h31m35s
